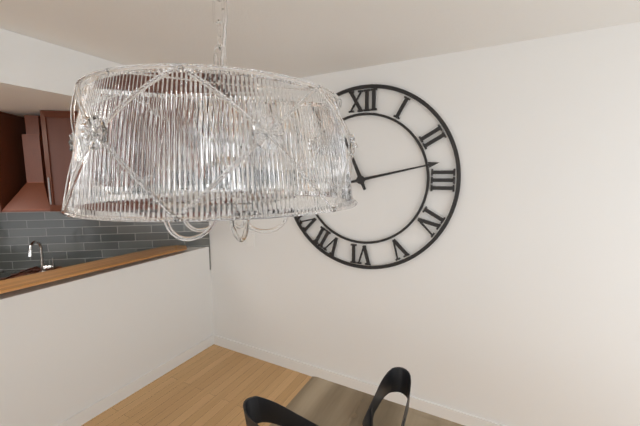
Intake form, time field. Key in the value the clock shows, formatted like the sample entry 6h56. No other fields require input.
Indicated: 11h13
